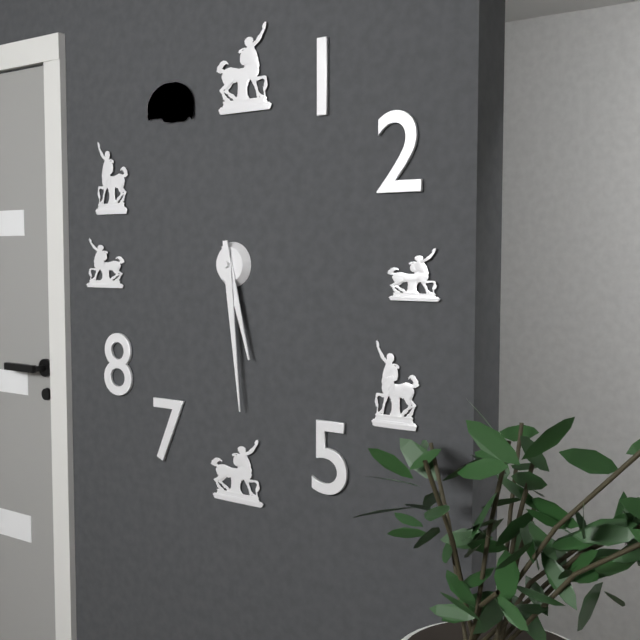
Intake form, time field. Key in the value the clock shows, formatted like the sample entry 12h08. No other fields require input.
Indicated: 5h29
